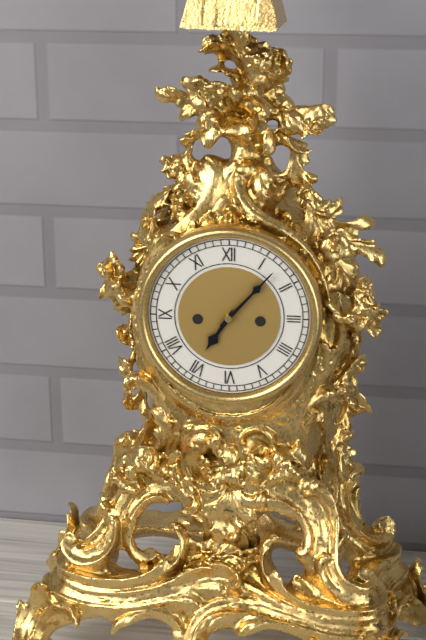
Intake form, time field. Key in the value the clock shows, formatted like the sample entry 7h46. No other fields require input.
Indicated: 7h07
